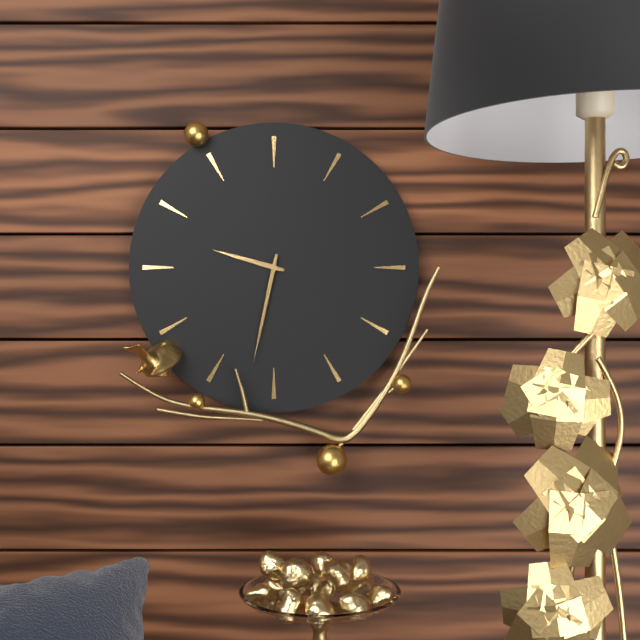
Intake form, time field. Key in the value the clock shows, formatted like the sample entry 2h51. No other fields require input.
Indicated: 9h32
